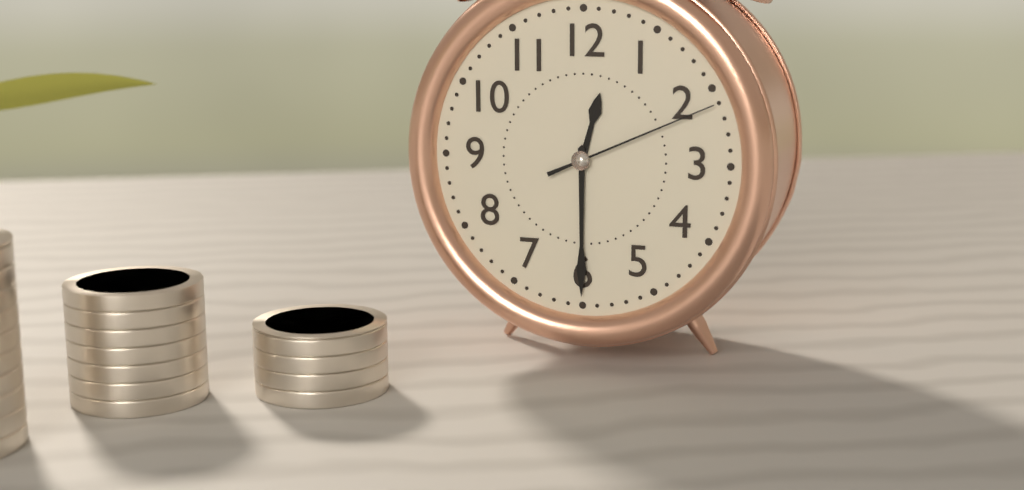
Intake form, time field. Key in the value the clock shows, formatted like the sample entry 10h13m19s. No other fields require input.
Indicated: 12h30m11s
